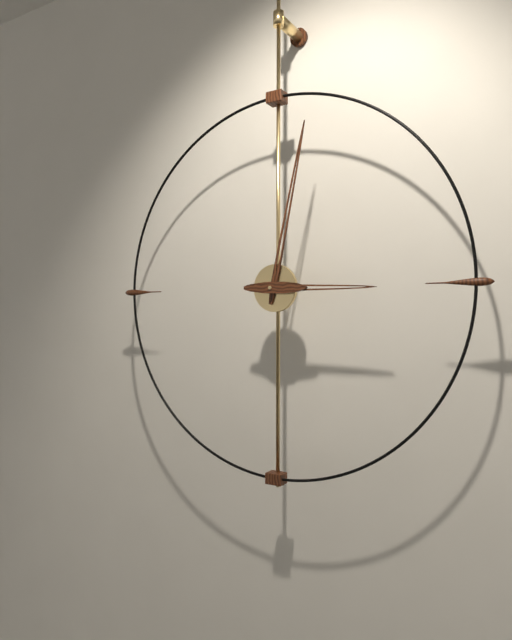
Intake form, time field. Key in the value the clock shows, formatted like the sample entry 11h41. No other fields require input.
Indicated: 3h02
